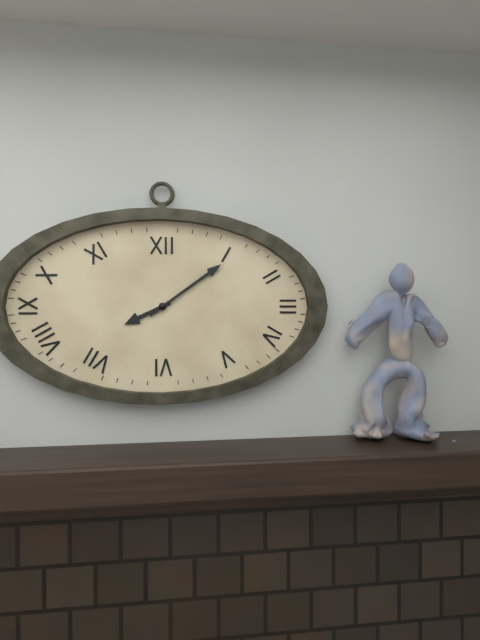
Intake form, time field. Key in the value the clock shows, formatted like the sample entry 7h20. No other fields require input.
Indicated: 8h09
